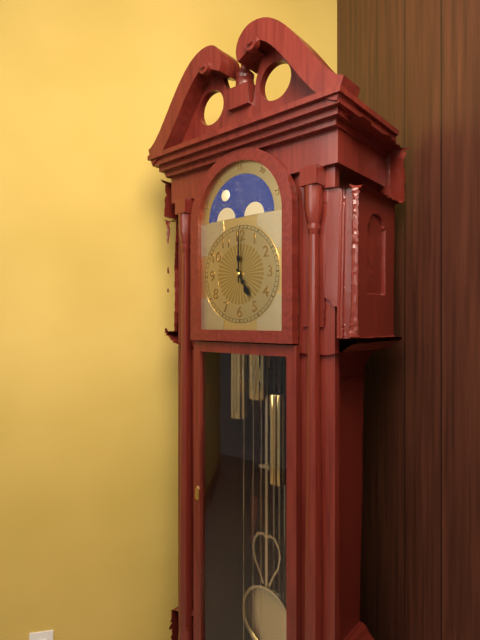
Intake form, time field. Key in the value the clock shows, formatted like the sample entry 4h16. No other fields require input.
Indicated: 5h00
